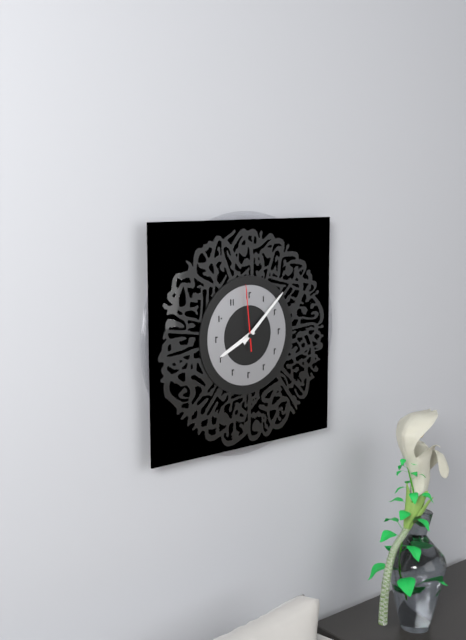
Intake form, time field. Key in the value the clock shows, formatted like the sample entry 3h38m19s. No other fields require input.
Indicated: 8h08m59s
